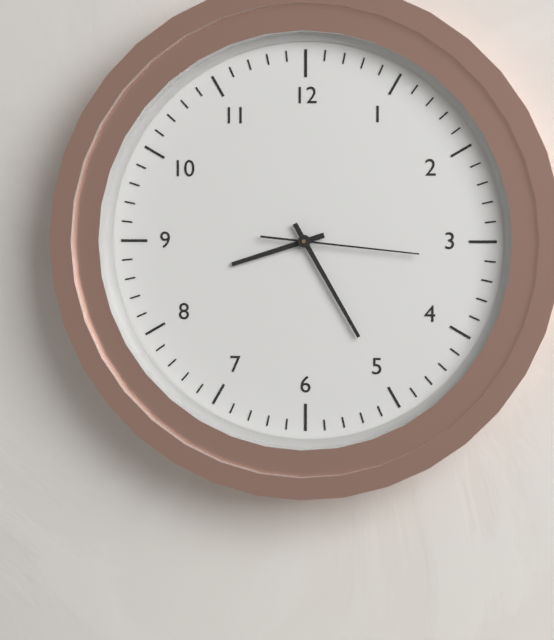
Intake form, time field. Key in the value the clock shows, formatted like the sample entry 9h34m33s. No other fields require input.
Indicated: 8h25m16s
